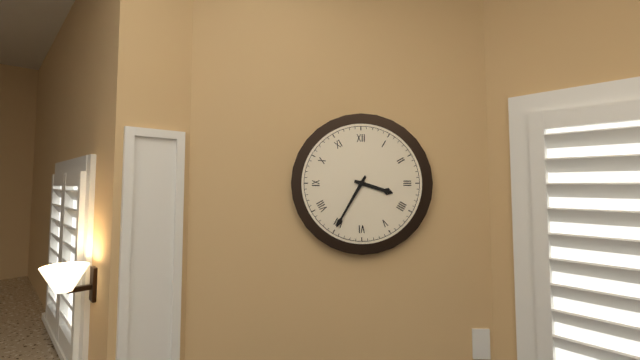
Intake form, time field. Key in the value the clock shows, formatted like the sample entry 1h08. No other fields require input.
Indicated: 3h35
